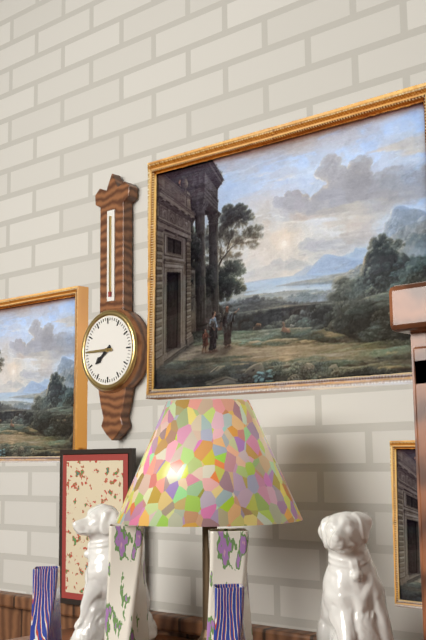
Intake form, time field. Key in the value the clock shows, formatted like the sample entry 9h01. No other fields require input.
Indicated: 7h45
